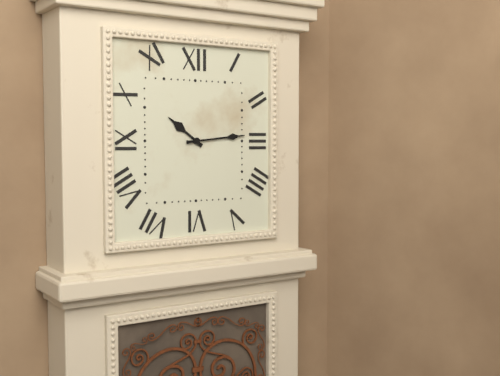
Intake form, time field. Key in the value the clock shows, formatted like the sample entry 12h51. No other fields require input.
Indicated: 10h14
